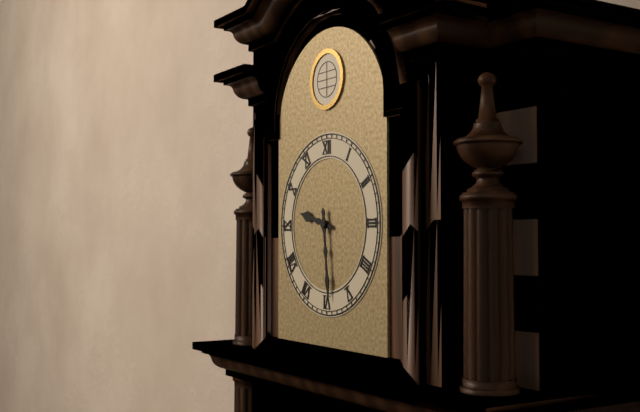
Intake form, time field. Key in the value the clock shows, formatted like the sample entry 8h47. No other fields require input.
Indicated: 9h29
